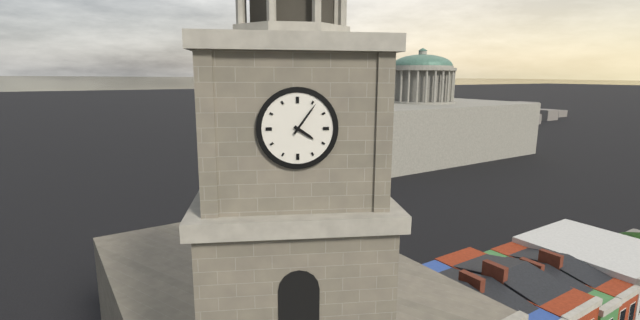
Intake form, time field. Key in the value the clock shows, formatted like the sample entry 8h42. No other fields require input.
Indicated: 4h06
